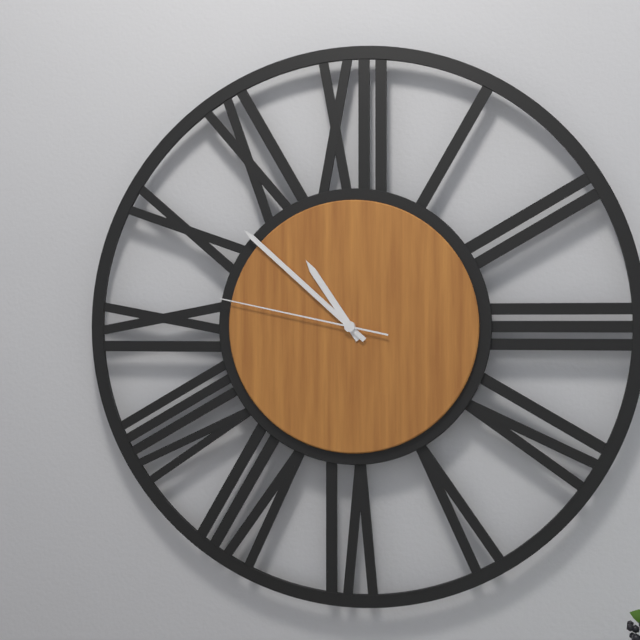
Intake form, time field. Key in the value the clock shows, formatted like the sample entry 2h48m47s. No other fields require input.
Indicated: 10h52m47s
